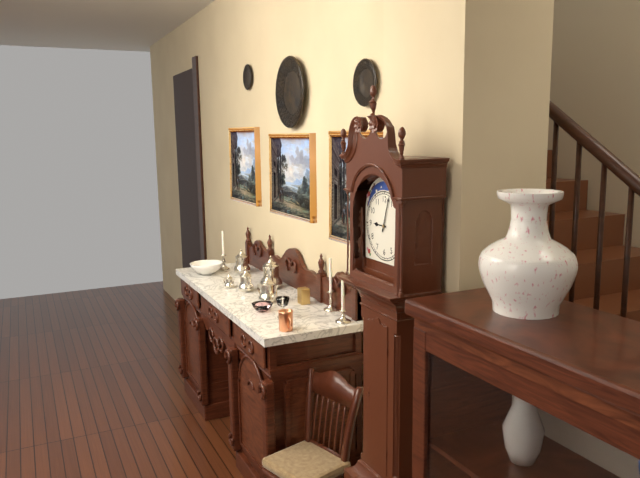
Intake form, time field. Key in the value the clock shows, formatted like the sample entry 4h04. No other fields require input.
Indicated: 9h03
